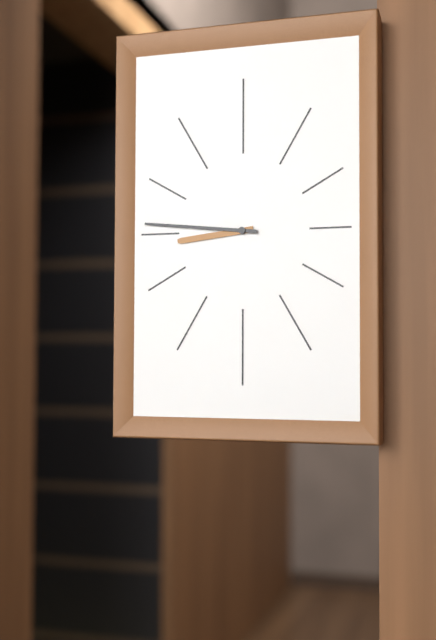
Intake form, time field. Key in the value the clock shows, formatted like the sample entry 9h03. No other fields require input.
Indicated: 8h46
